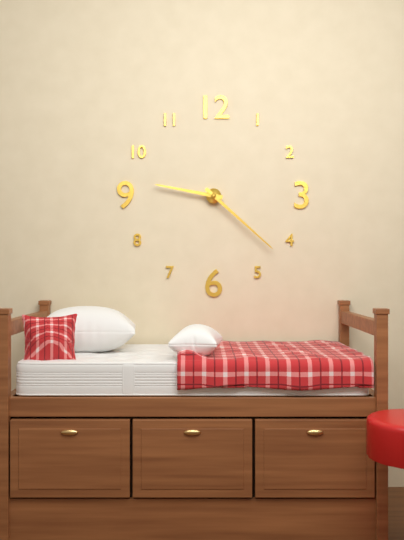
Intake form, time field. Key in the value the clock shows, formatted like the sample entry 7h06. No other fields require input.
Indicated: 9h22
